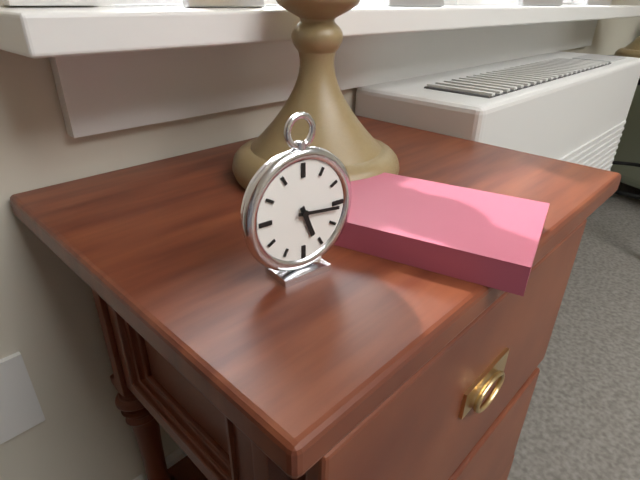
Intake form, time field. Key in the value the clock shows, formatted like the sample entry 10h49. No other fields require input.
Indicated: 5h16
